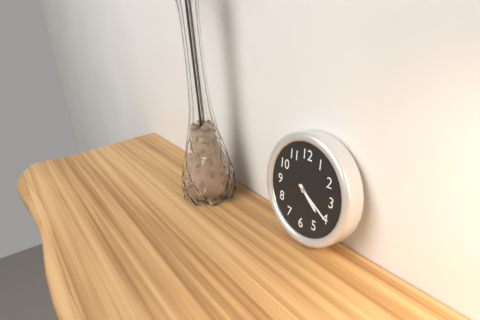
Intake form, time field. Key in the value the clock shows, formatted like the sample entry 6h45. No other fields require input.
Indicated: 4h20
